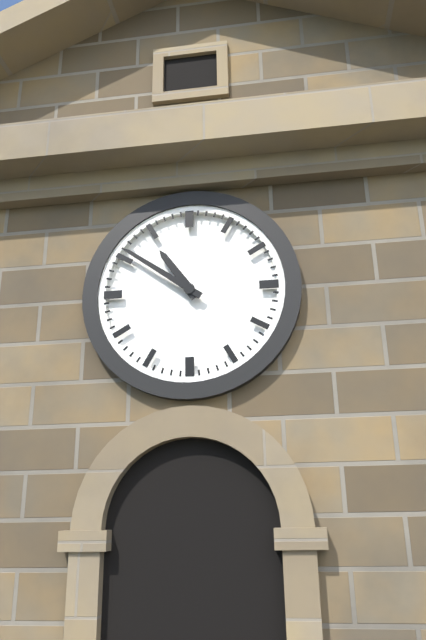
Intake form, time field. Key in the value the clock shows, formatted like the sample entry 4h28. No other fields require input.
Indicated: 10h51
